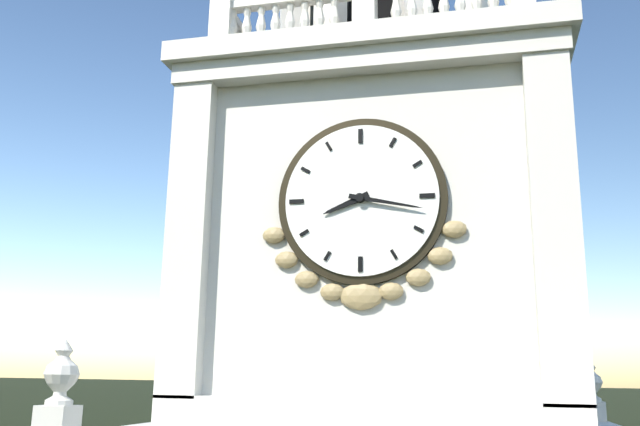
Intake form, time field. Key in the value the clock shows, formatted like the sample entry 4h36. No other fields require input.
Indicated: 8h17
